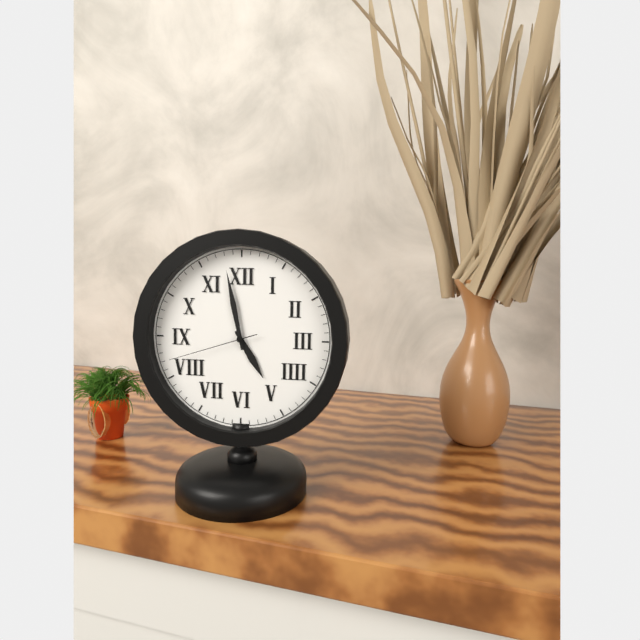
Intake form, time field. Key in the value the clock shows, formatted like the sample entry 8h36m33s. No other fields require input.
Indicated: 4h58m42s
